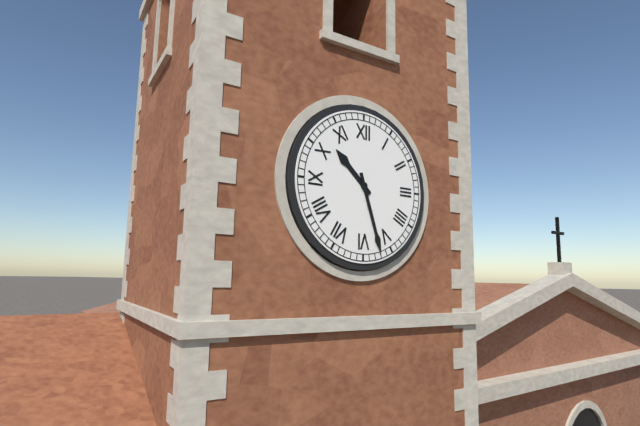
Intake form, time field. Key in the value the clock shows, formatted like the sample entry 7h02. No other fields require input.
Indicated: 10h27
